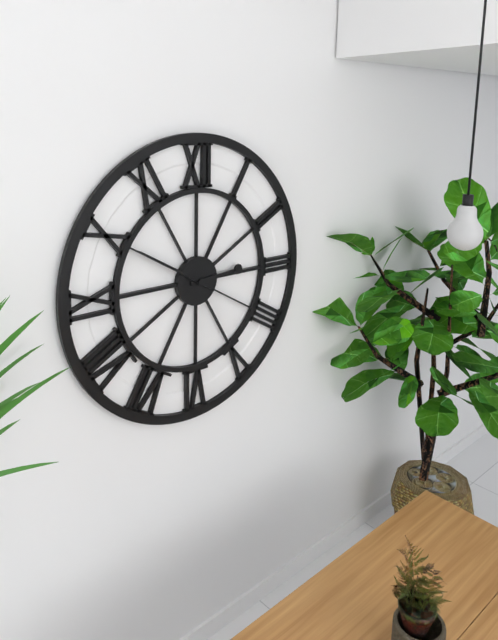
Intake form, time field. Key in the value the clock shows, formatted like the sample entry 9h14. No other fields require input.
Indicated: 2h50
